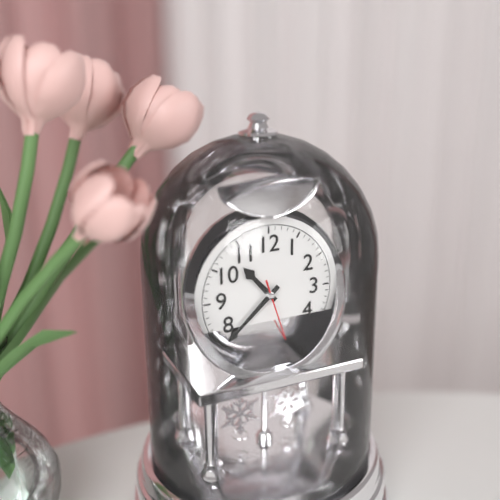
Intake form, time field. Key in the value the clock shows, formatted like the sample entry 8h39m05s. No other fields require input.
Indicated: 10h38m27s
